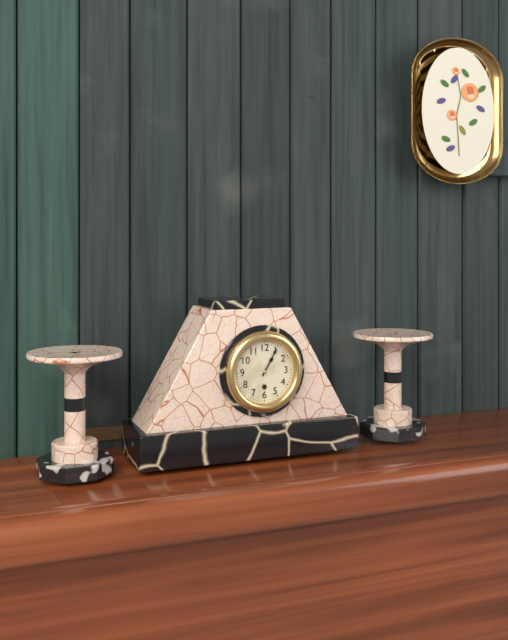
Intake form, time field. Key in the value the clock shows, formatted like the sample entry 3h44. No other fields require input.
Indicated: 1h05
